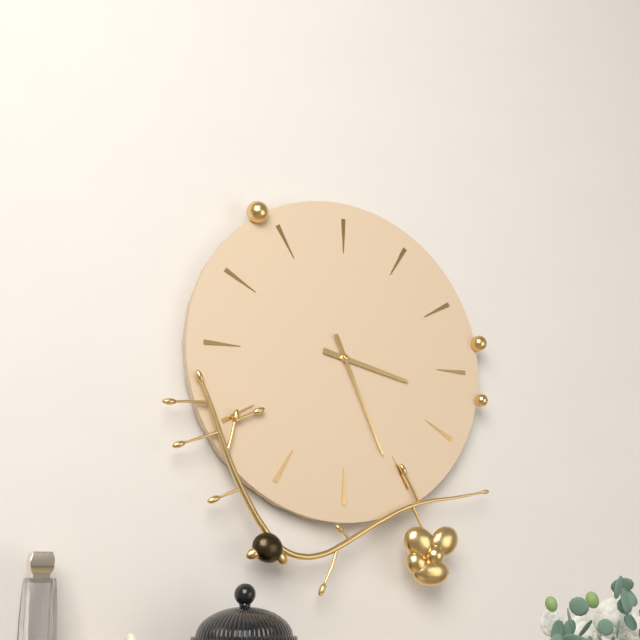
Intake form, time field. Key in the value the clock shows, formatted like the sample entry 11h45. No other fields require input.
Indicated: 3h26
